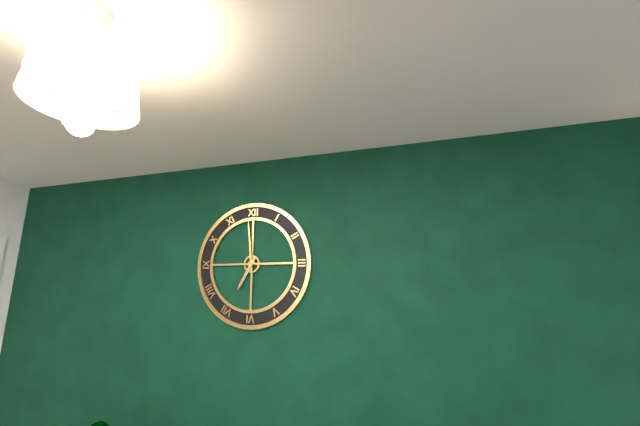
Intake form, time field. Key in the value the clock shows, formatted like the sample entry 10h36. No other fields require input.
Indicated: 6h59
